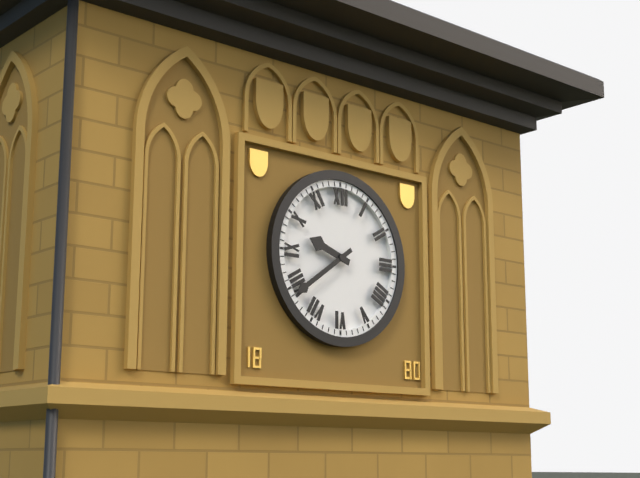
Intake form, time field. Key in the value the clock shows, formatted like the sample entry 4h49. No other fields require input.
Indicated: 9h39
